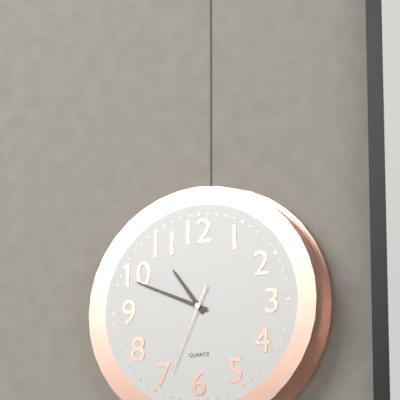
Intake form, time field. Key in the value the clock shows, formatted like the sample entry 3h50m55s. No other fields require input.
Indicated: 10h49m34s
